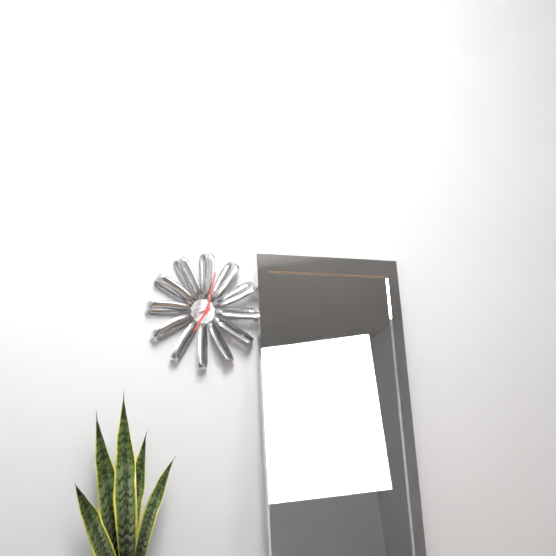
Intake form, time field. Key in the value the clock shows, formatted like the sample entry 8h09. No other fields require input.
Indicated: 7h02
